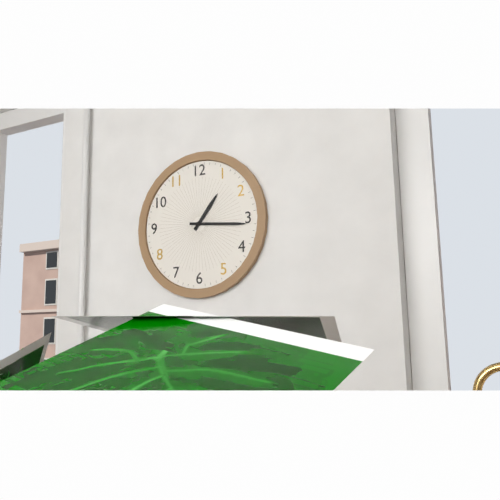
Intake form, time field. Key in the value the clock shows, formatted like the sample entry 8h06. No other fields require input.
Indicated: 1h16
